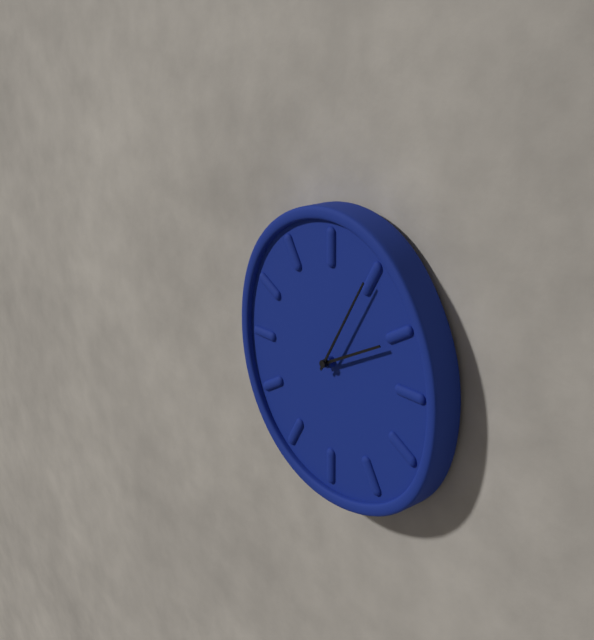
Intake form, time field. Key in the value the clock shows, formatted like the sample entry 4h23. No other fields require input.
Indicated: 2h05
